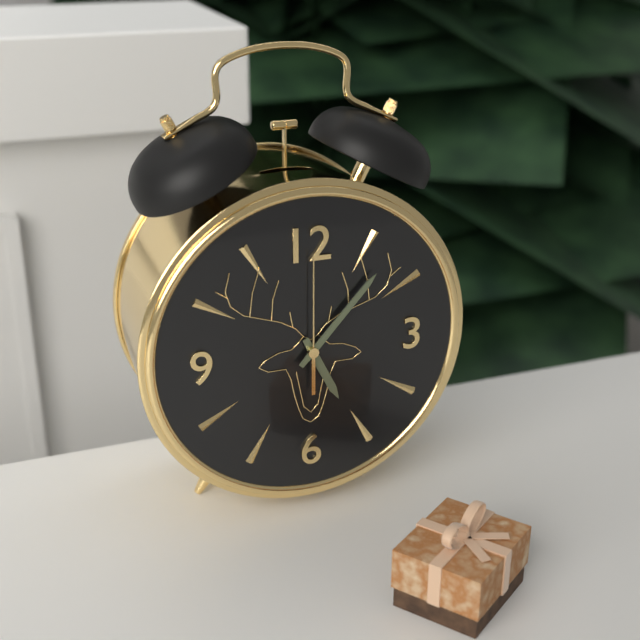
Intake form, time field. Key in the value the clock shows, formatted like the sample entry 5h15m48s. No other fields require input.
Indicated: 5h07m00s
